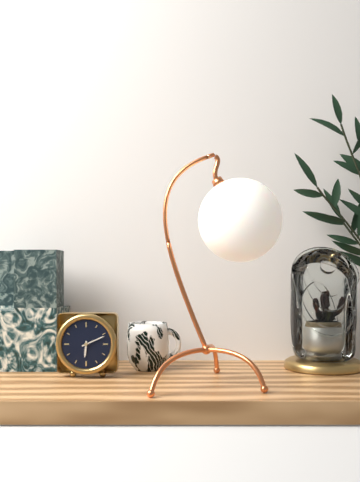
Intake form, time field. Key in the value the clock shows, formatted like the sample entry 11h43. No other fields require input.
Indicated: 6h11
